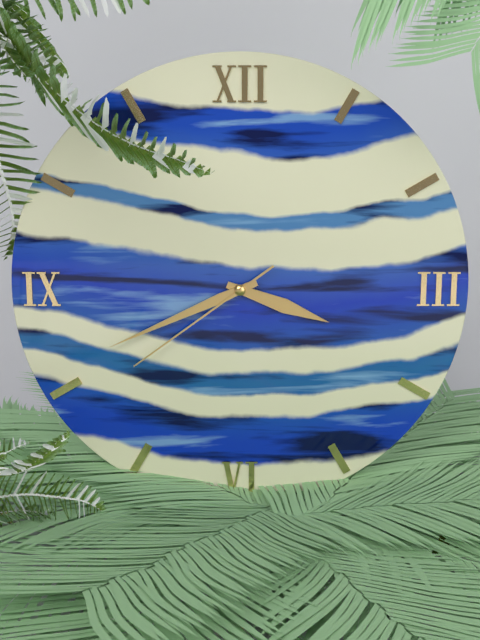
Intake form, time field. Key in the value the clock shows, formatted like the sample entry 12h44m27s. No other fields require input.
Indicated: 3h41m39s
